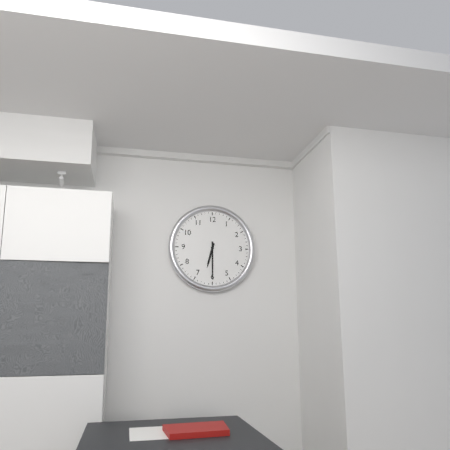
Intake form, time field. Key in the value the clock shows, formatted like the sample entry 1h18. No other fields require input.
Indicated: 6h30
